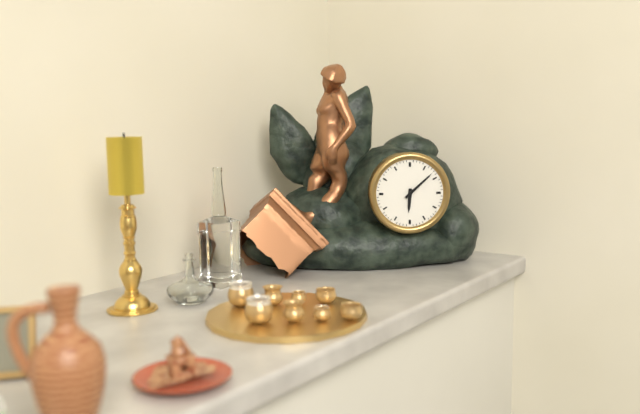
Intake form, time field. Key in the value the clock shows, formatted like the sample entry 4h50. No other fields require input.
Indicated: 6h08
